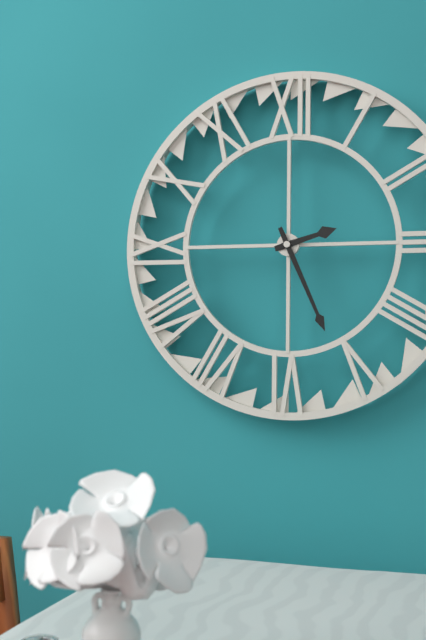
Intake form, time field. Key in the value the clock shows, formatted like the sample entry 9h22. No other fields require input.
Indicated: 2h26
